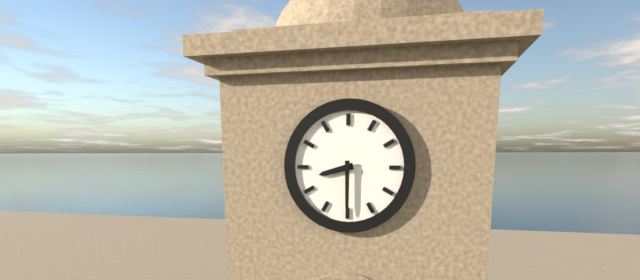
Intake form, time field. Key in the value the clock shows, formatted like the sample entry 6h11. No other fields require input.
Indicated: 8h30
